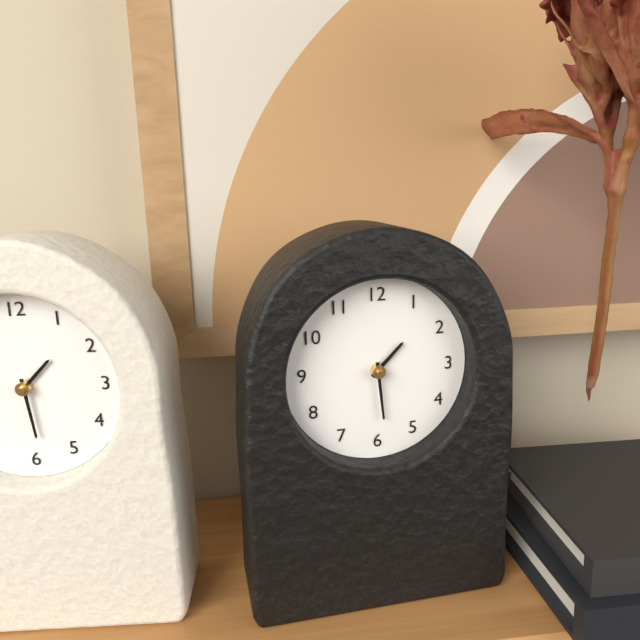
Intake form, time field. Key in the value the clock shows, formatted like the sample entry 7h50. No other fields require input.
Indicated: 1h29
